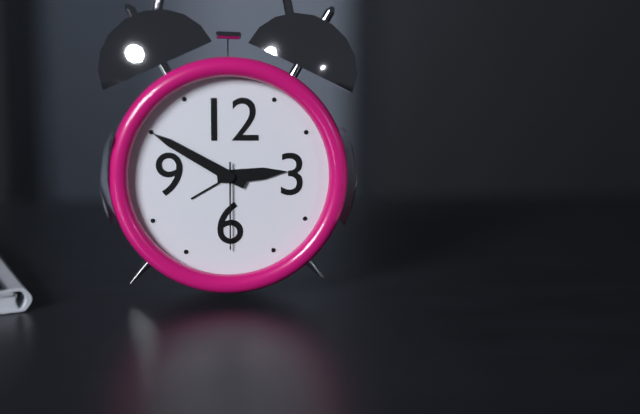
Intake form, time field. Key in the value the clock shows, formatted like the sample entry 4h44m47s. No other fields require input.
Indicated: 2h50m30s
